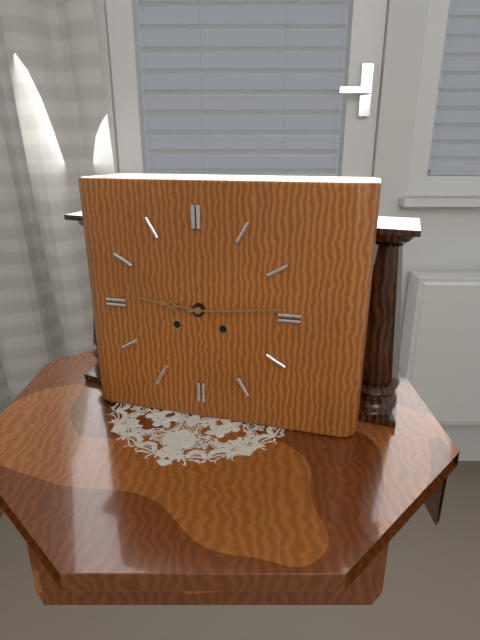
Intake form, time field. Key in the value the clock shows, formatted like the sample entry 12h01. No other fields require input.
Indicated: 9h14
